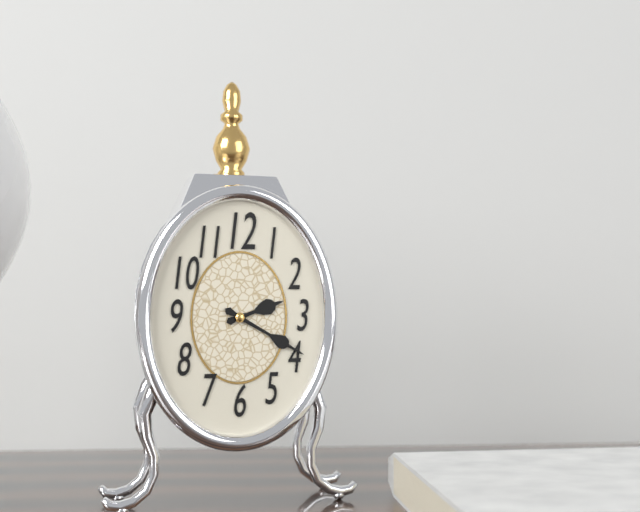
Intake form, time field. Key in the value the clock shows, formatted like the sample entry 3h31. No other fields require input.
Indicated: 2h20
